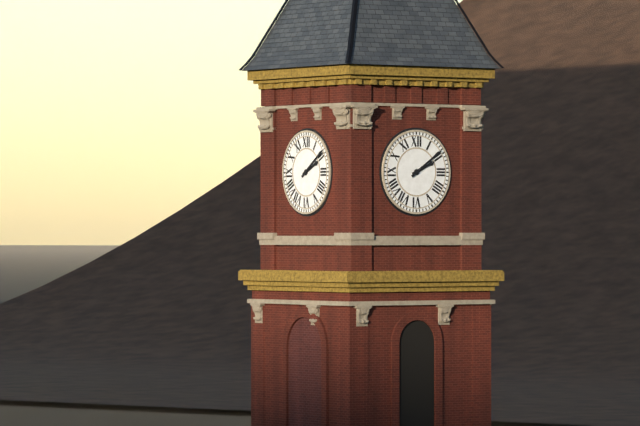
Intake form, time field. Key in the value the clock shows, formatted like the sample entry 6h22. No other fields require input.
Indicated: 2h09
